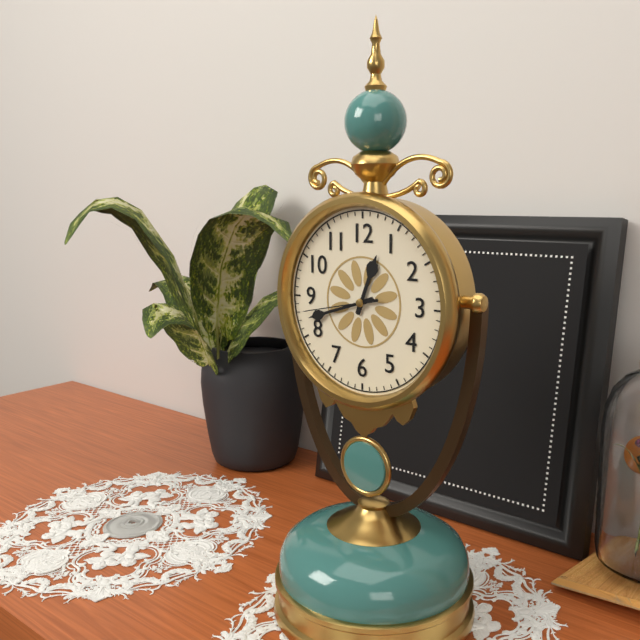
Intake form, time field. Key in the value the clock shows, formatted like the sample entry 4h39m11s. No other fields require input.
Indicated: 12h42m43s
